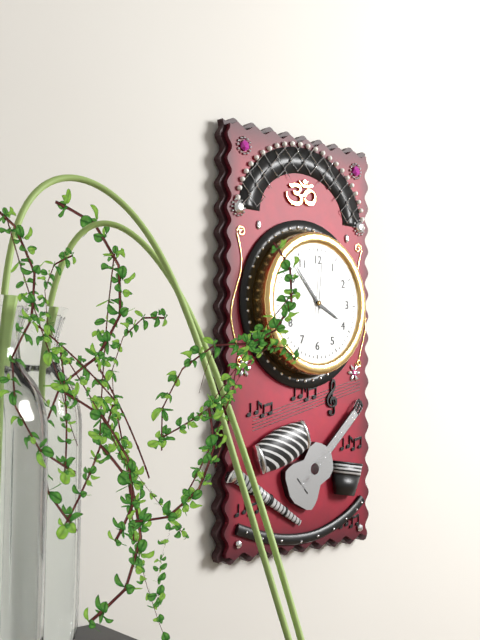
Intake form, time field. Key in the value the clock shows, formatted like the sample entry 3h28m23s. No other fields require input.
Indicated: 3h53m01s
